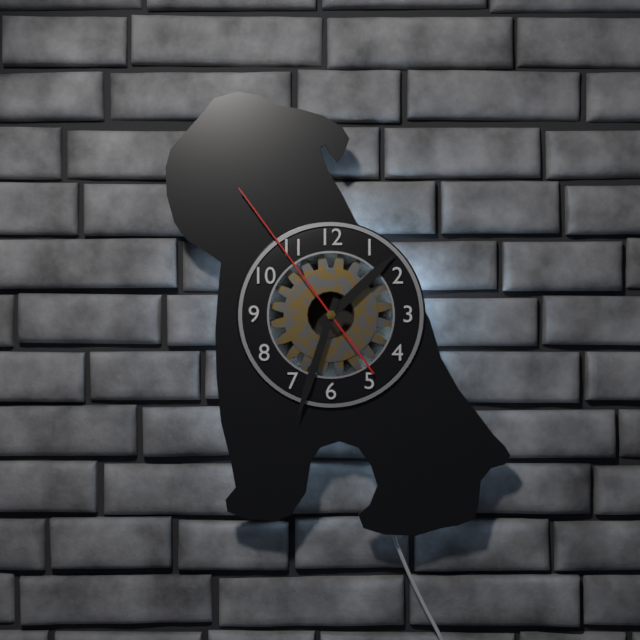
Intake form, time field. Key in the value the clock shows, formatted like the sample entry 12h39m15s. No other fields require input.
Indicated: 1h33m54s
